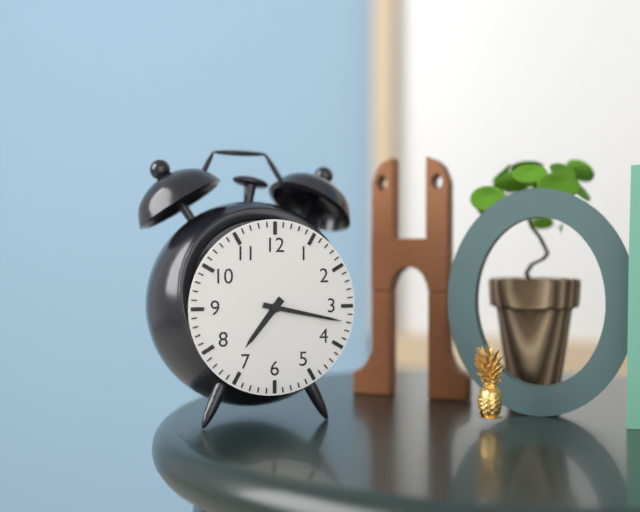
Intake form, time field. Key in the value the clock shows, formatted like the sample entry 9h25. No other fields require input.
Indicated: 7h17
